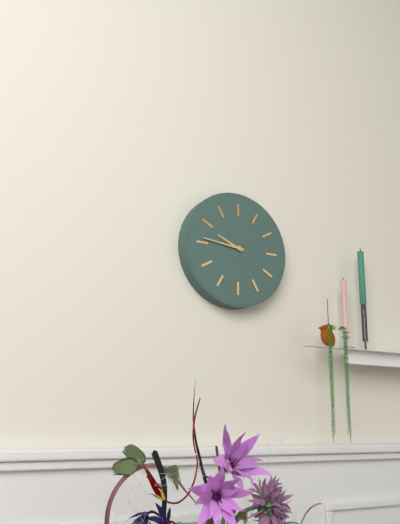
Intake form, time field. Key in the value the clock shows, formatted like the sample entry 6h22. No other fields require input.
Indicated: 9h46
